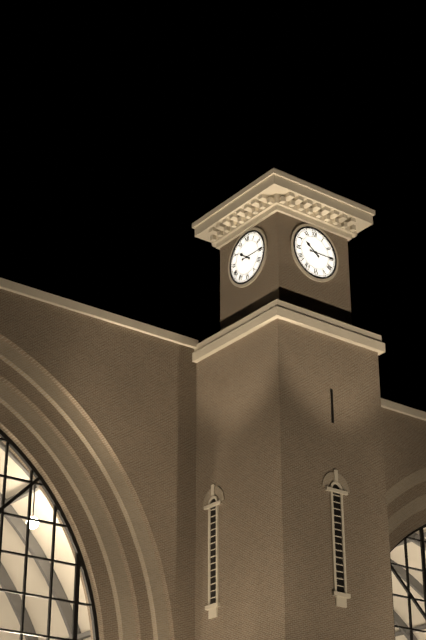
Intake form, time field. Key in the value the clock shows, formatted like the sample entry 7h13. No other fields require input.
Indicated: 10h15
